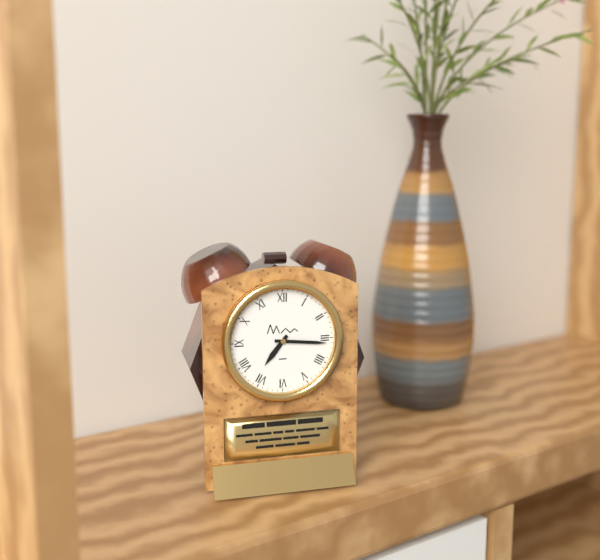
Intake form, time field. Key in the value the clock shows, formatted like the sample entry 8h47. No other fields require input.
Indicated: 7h16
